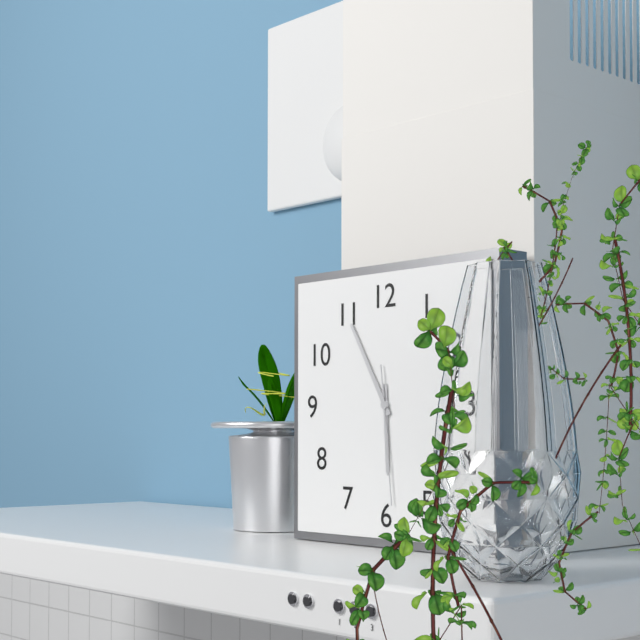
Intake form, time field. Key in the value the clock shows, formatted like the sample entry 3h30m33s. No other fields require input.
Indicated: 5h55m29s
